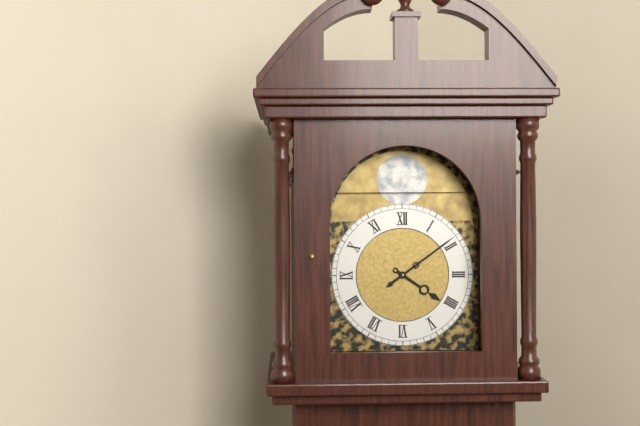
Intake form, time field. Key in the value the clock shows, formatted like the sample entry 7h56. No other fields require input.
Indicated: 4h09
